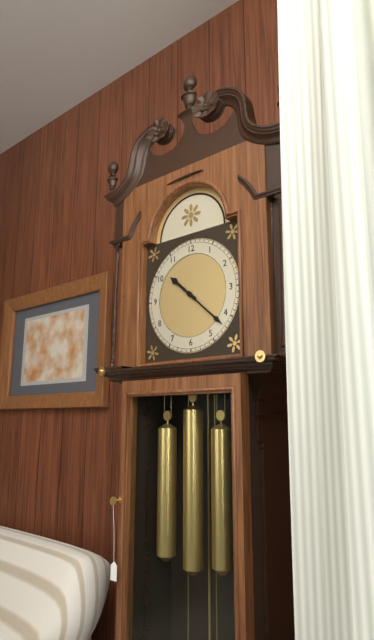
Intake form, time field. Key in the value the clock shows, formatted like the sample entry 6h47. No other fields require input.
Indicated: 10h22
